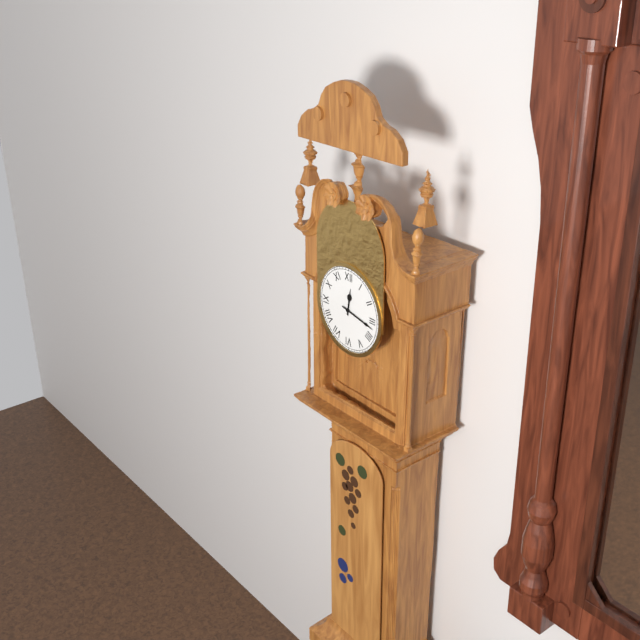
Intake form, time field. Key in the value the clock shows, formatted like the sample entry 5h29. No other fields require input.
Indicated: 12h17
